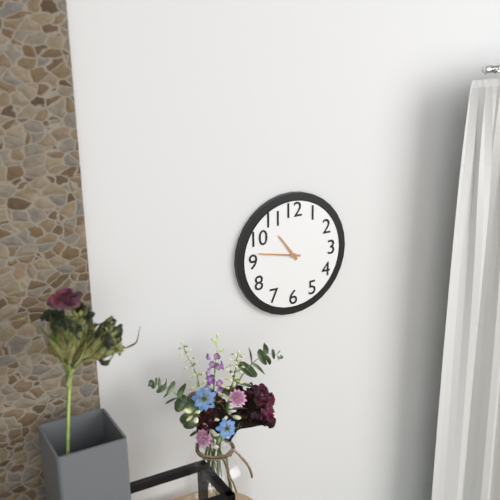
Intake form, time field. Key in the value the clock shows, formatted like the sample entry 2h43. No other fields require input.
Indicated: 10h47
